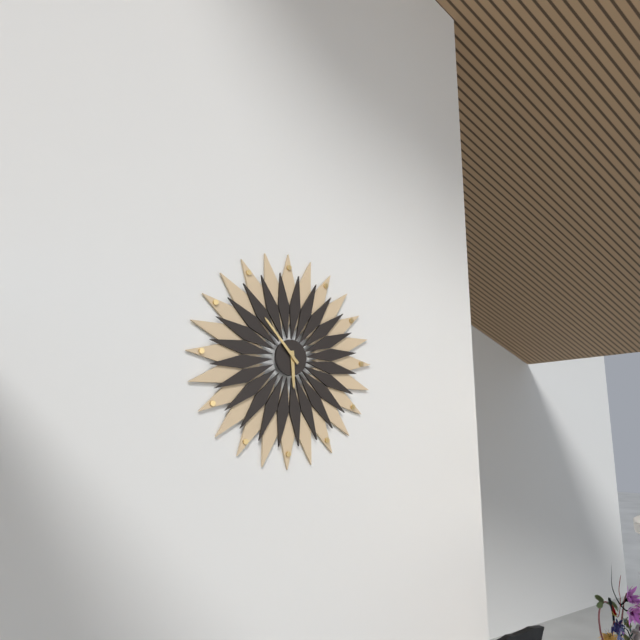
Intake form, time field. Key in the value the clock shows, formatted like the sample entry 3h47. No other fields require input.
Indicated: 5h53
